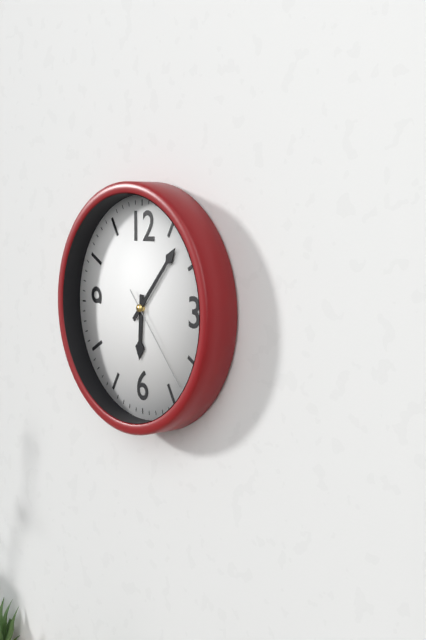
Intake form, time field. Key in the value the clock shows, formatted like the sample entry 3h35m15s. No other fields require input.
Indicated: 6h07m23s
